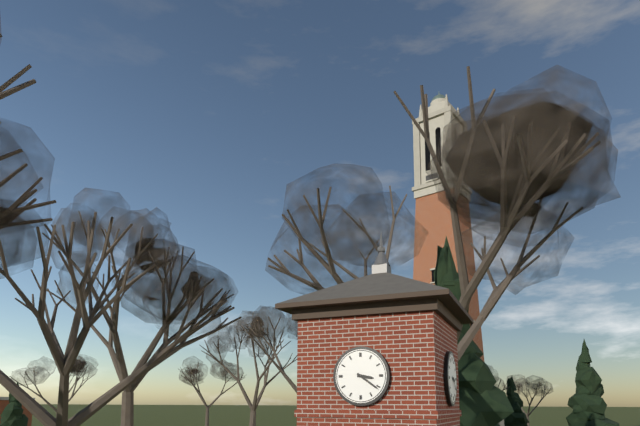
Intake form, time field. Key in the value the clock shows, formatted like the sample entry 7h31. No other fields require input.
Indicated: 3h21
